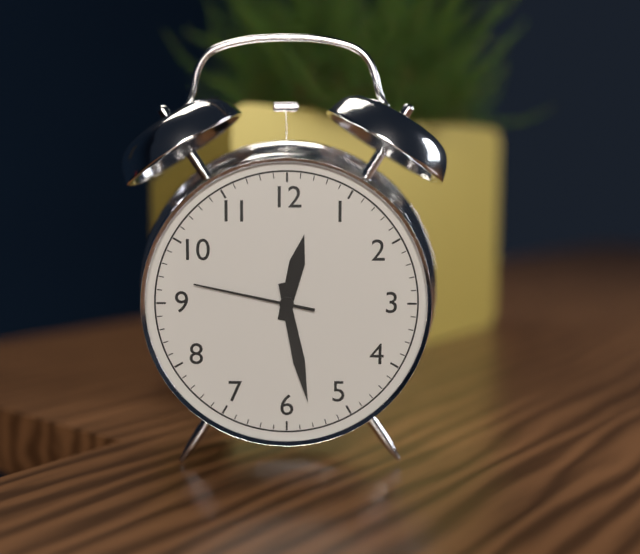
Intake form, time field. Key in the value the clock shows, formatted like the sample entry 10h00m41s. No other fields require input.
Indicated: 12h28m47s
